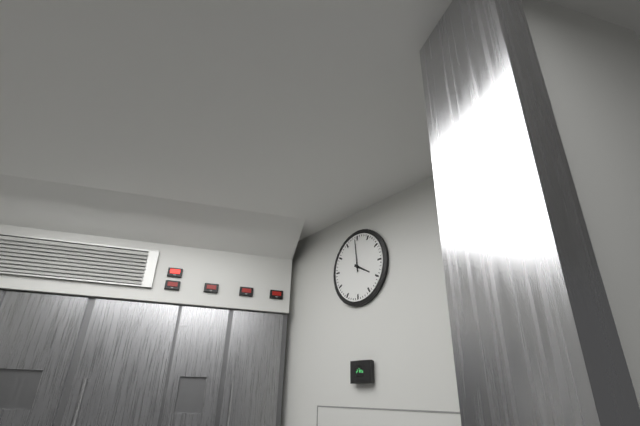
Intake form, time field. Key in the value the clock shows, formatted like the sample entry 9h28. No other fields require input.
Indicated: 3h59
